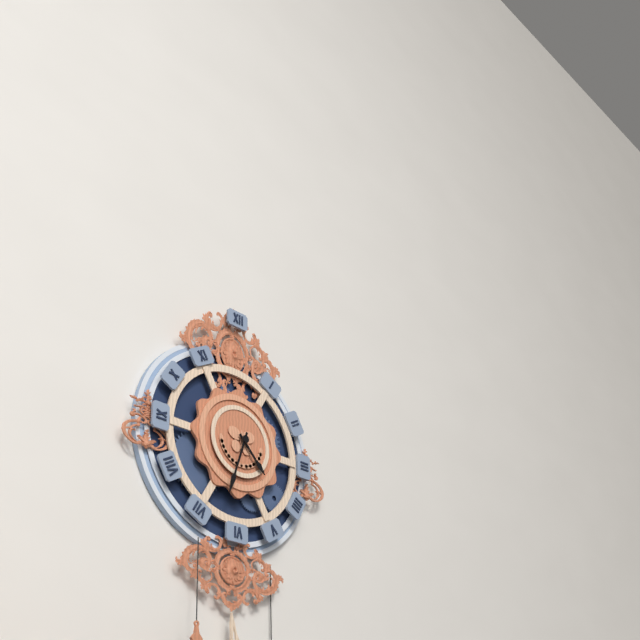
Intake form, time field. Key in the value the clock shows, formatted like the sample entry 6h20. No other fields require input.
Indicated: 4h33
